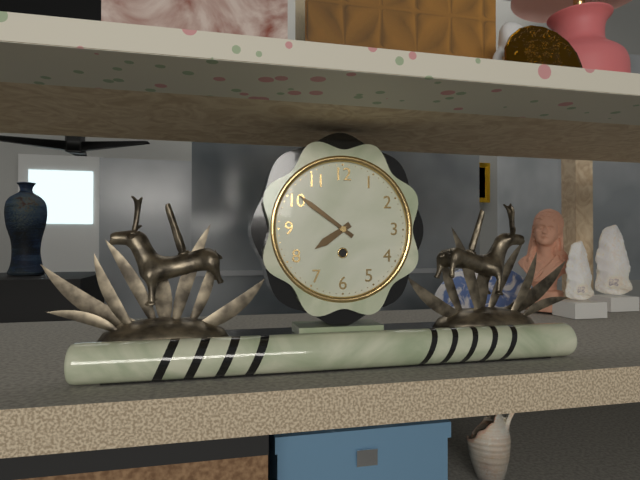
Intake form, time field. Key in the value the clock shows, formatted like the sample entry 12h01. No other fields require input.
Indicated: 7h51
